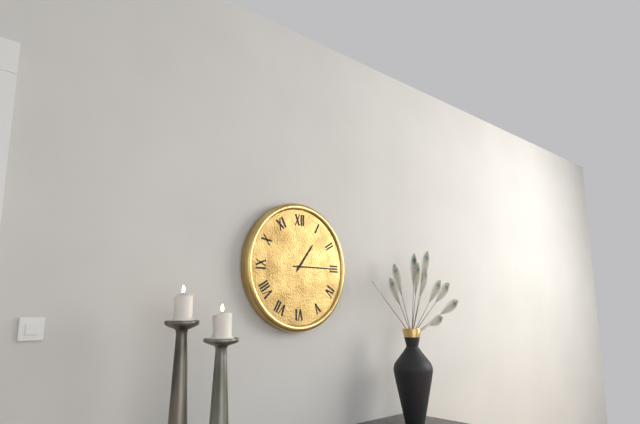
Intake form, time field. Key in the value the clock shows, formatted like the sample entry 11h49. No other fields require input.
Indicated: 1h15
